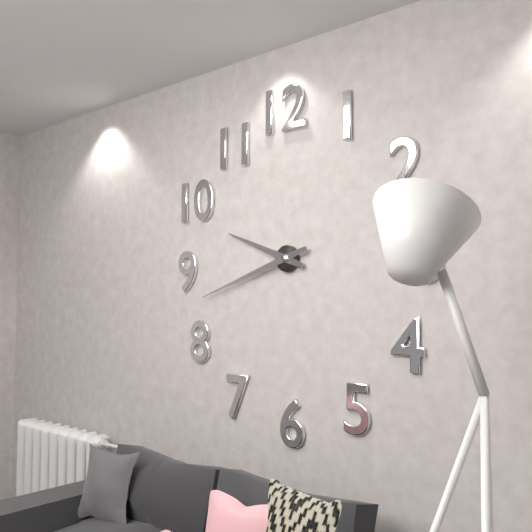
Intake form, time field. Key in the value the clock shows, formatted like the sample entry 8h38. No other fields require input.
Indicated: 9h42
